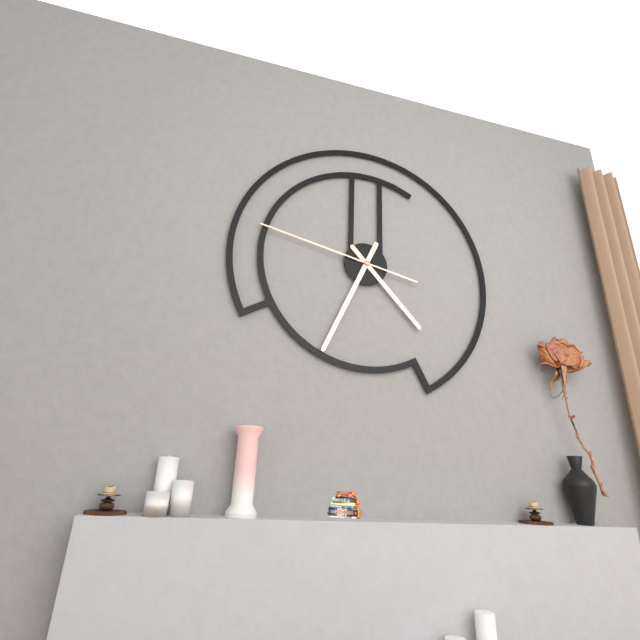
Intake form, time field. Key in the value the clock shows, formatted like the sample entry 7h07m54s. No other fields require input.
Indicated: 4h34m47s
